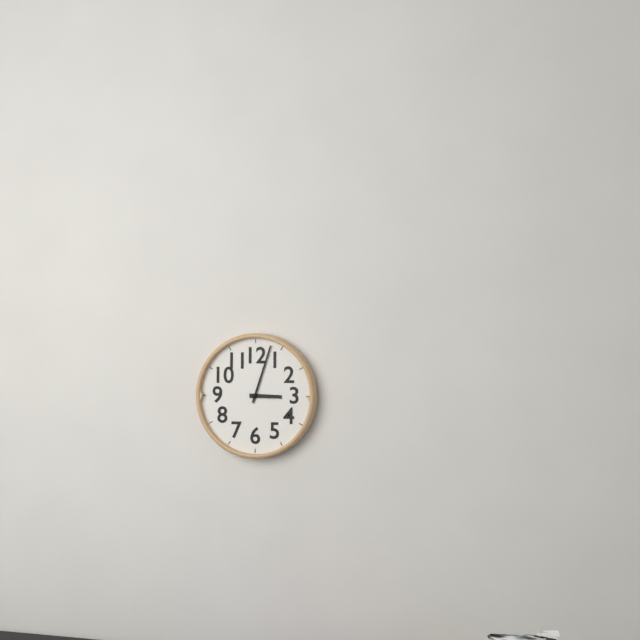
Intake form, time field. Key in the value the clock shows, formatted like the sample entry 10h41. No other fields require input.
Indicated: 3h03
